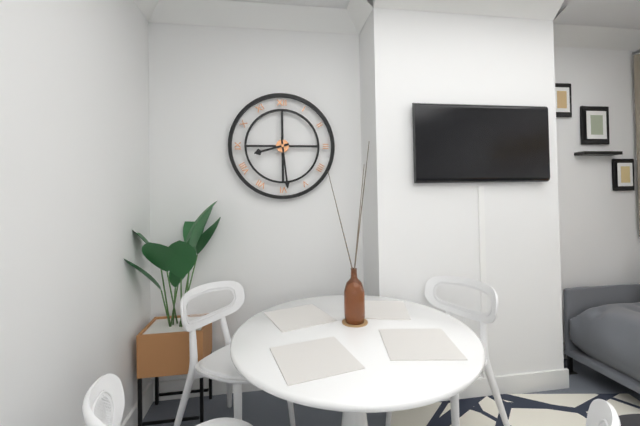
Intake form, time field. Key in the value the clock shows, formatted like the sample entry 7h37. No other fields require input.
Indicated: 8h29
